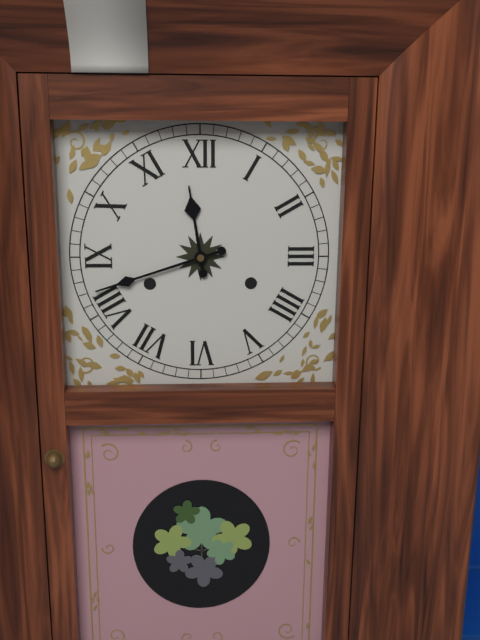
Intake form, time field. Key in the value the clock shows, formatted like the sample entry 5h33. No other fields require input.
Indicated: 11h42
